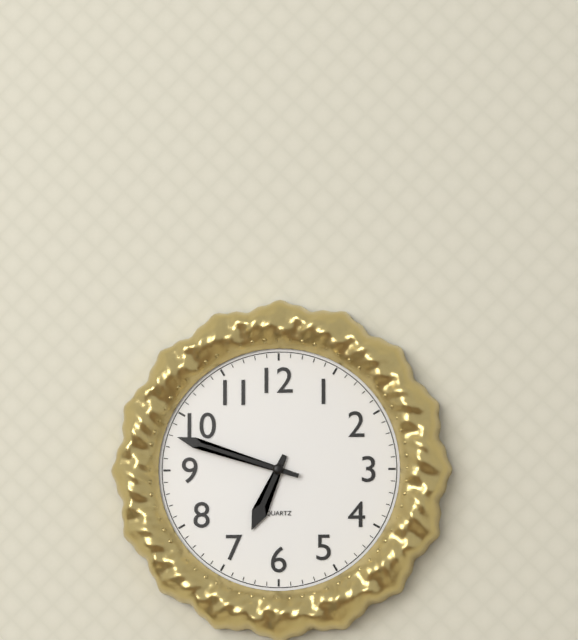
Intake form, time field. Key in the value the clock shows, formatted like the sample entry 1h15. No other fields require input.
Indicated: 6h48
